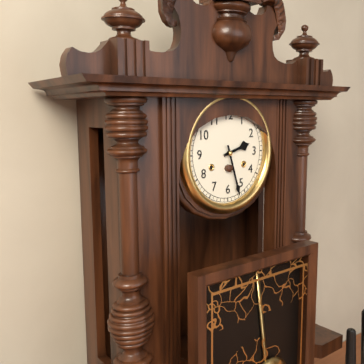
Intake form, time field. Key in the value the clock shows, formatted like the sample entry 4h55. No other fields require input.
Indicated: 2h27
